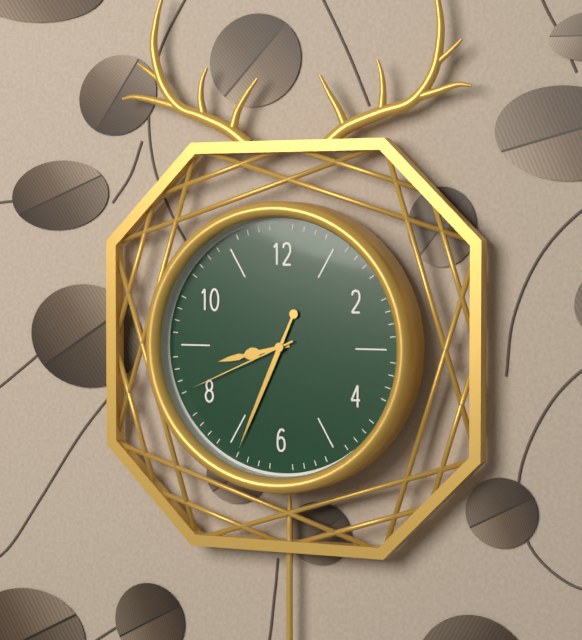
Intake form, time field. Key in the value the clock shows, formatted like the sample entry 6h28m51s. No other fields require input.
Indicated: 8h34m41s
